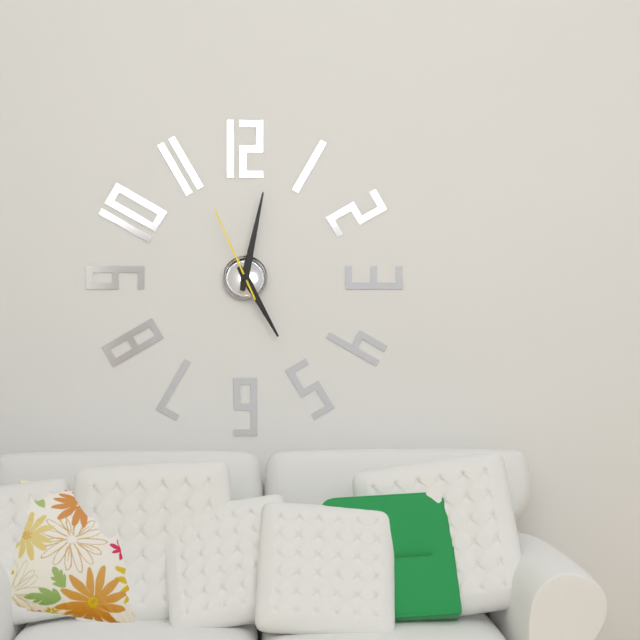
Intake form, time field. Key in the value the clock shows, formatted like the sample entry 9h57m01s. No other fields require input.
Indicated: 5h02m56s
